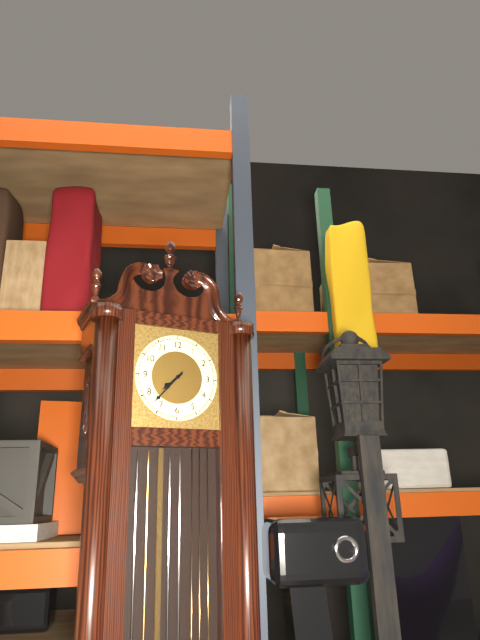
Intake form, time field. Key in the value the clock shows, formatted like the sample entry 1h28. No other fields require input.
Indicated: 7h37
